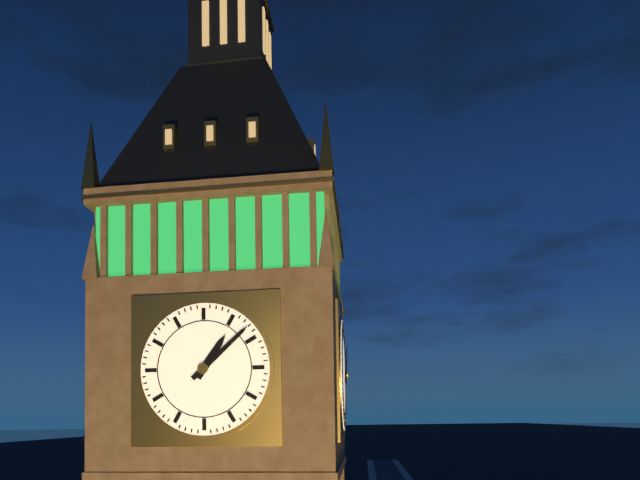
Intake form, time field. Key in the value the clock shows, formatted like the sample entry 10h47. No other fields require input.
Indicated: 1h08
